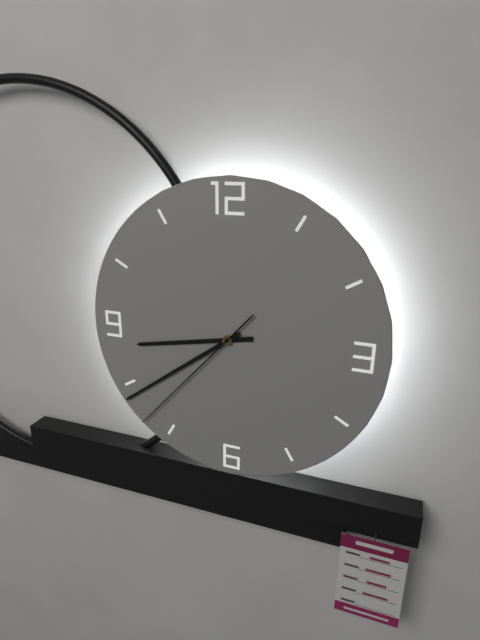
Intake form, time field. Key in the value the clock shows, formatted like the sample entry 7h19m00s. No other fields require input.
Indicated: 8h39m37s
